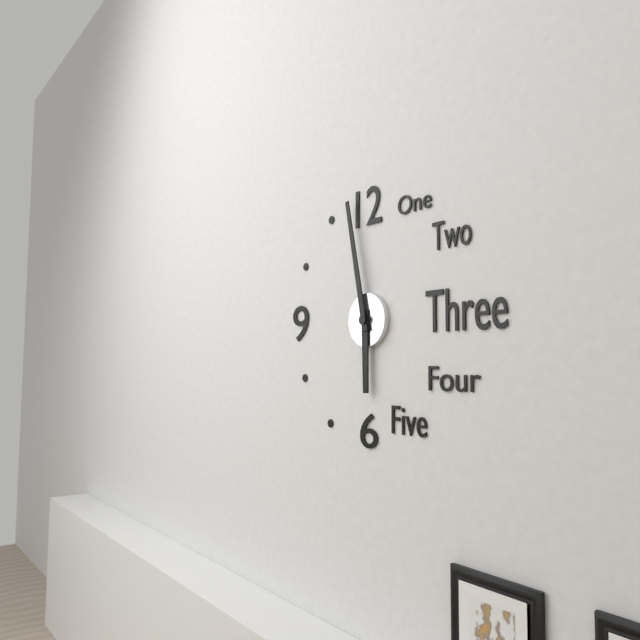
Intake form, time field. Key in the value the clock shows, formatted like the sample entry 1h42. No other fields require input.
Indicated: 5h58
